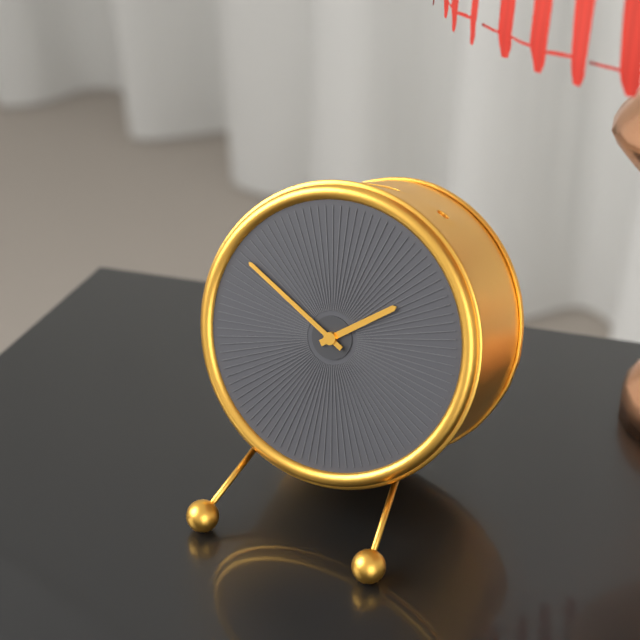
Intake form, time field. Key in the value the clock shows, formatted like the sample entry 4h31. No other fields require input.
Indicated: 1h50
